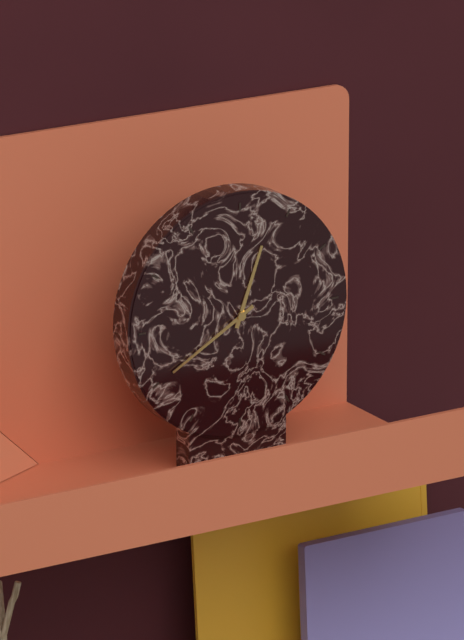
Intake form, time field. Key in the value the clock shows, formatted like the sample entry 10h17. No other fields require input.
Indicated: 12h40
